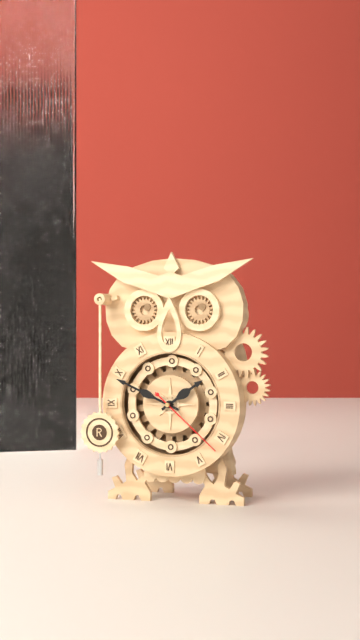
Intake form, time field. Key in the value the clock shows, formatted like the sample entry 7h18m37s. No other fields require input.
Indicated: 1h49m22s
